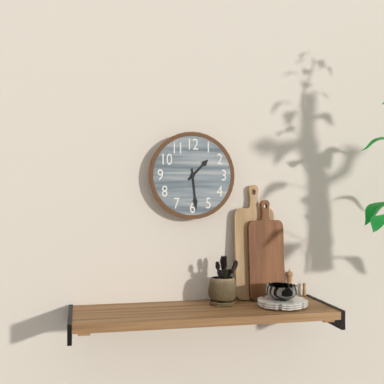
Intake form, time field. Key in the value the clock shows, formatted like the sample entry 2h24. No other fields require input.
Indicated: 1h29
